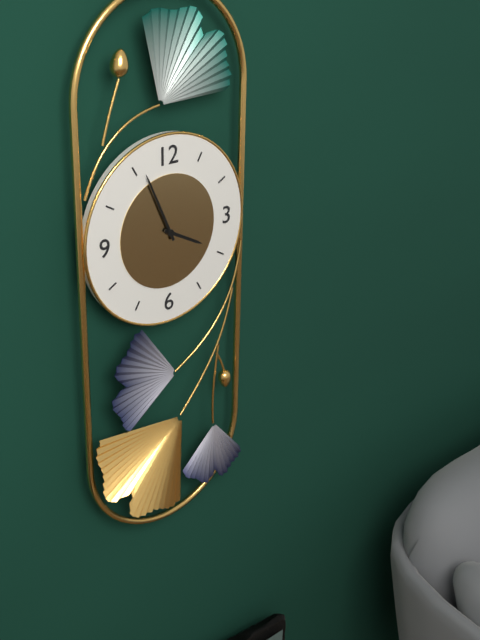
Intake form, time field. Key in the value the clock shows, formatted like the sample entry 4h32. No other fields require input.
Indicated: 3h56
